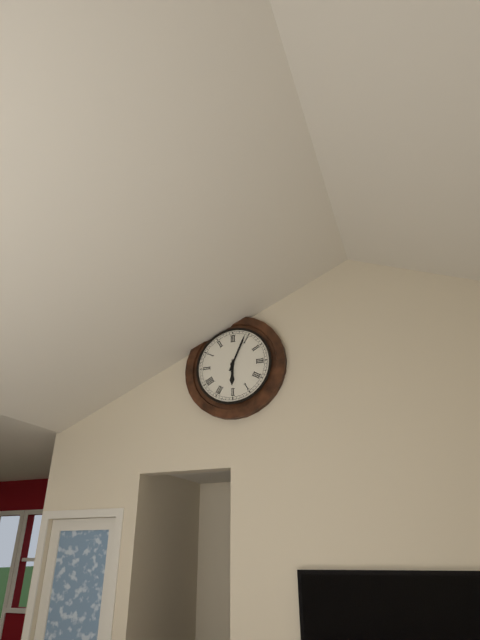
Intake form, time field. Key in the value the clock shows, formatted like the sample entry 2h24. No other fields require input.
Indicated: 6h04
